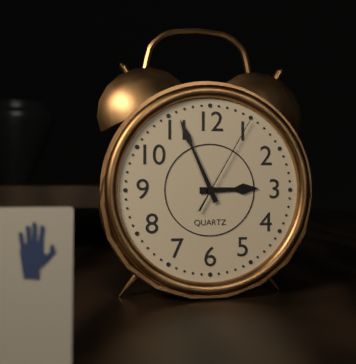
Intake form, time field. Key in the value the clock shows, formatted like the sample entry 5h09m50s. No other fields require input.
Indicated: 2h56m05s
